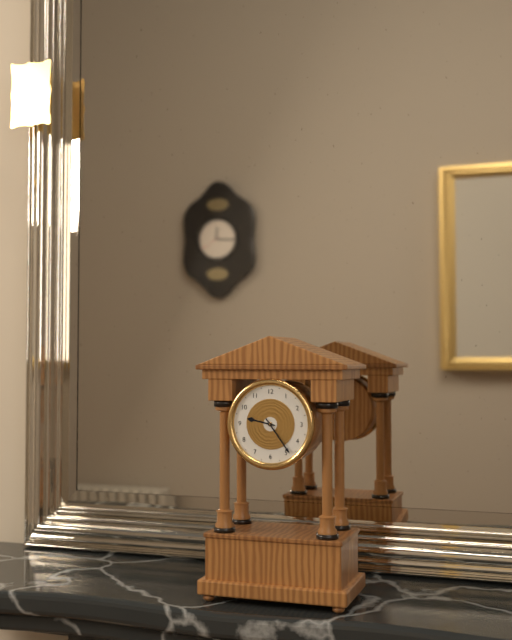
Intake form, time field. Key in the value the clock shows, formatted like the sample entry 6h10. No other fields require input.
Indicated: 9h24
